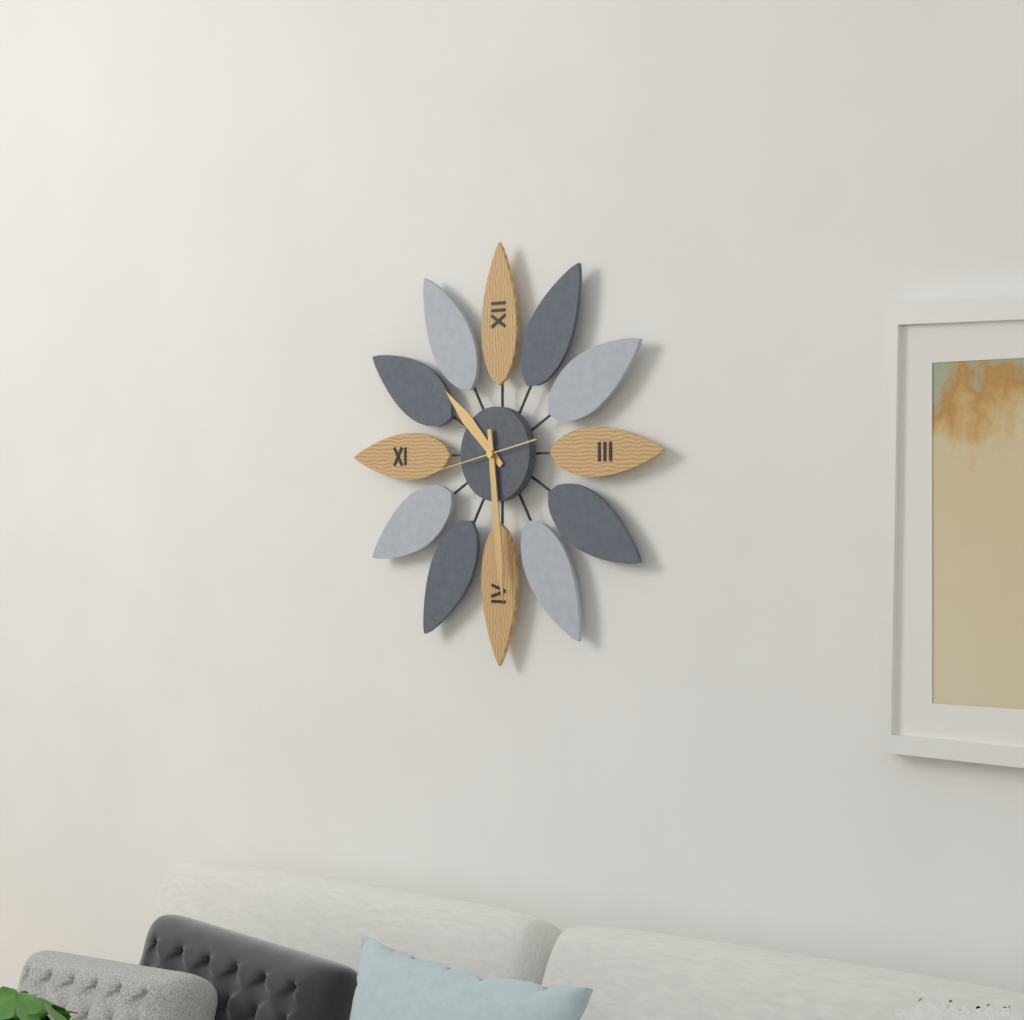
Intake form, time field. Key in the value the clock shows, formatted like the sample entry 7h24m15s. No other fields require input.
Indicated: 10h29m43s
